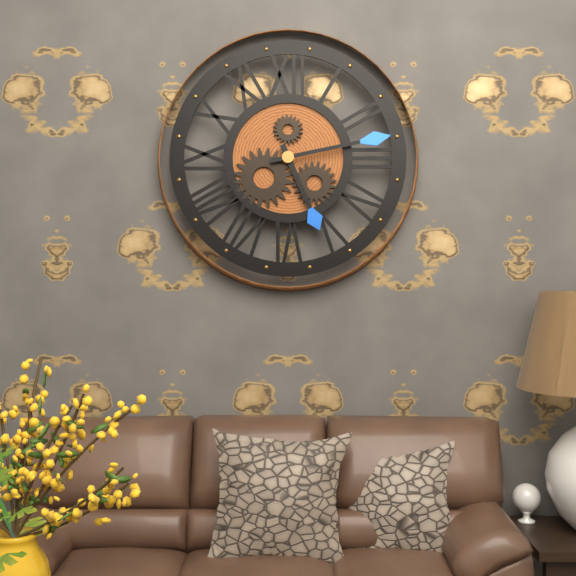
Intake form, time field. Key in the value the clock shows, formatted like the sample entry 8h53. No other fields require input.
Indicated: 5h13
